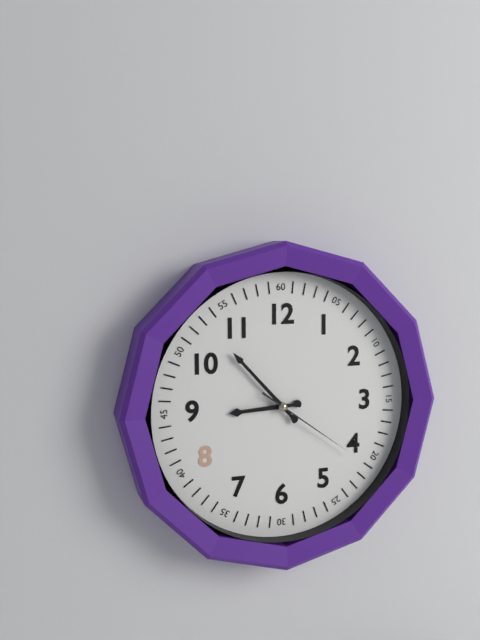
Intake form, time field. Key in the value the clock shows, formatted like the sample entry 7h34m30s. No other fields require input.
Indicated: 8h53m21s
